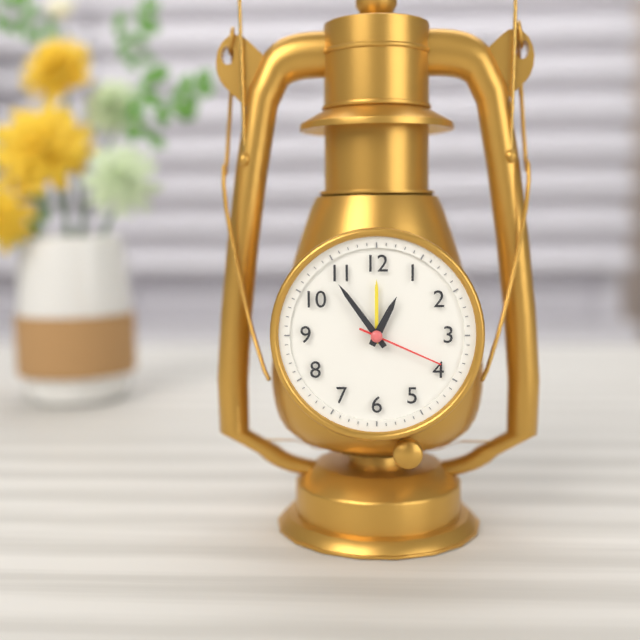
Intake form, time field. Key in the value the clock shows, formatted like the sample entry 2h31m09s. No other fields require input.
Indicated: 12h54m19s
